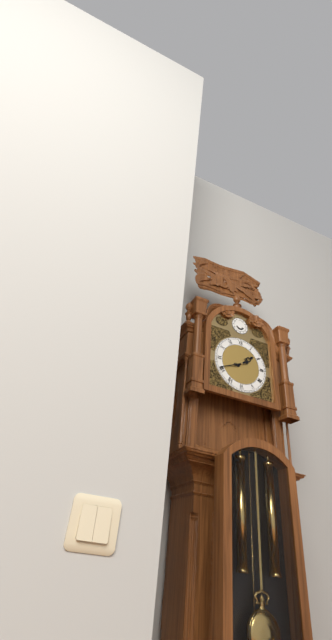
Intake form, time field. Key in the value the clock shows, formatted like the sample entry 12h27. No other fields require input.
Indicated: 1h41
